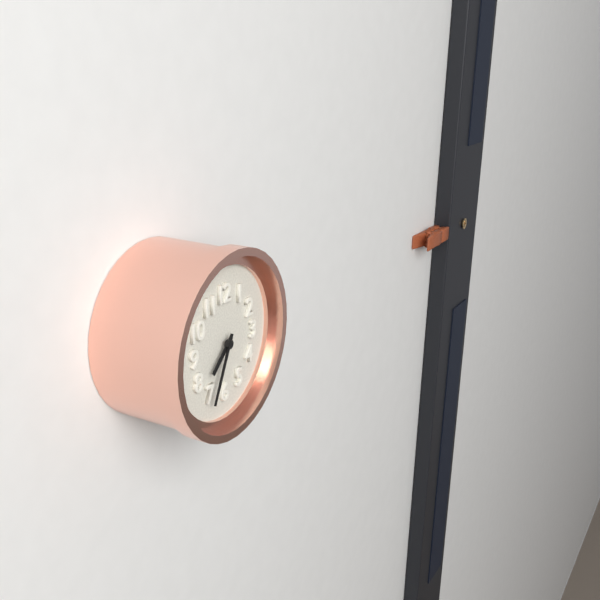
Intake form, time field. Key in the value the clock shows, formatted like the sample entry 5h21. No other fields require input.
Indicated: 7h34
